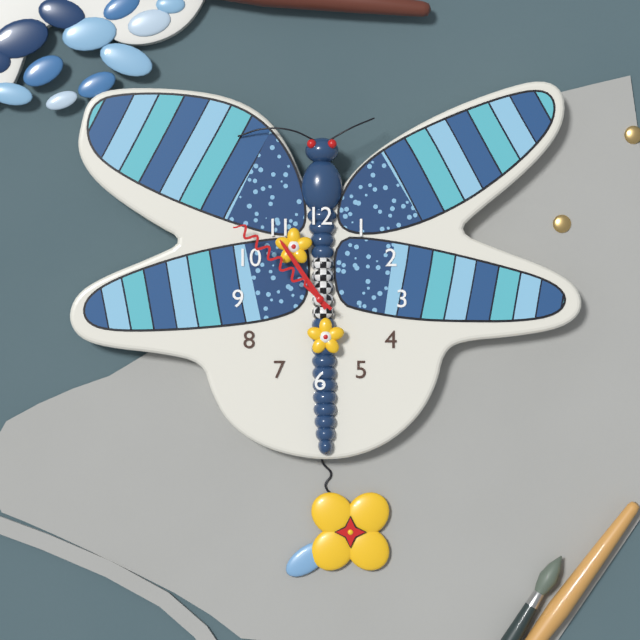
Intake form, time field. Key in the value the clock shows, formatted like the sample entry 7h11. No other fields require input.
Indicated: 10h52
